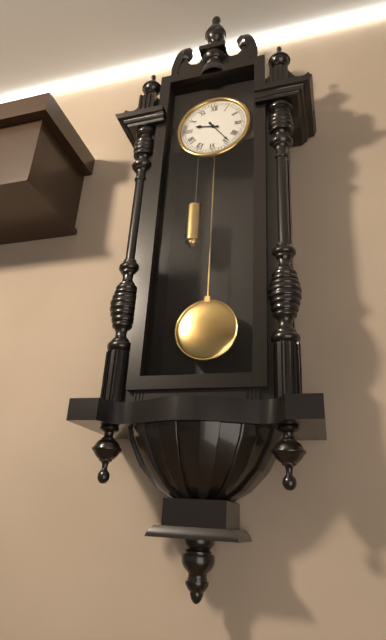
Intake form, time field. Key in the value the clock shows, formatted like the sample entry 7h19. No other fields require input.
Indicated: 9h24
